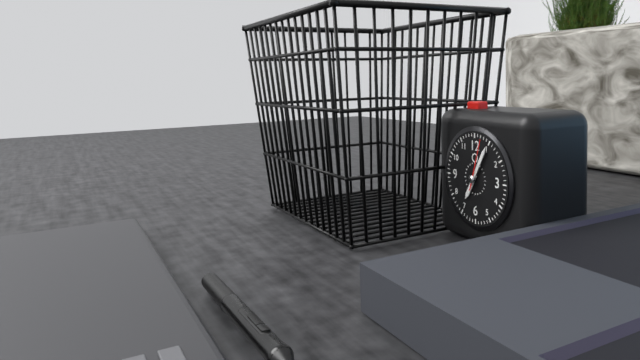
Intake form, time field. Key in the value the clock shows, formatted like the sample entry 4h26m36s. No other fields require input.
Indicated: 7h05m03s
